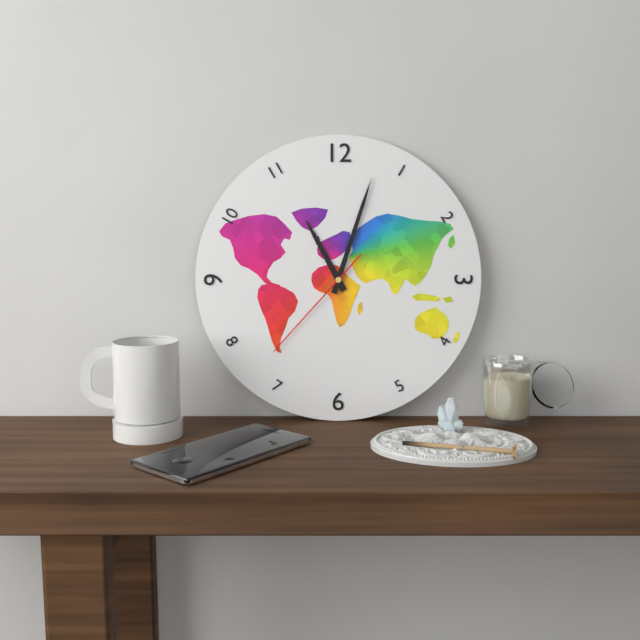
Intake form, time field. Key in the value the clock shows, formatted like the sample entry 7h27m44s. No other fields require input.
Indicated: 11h03m37s
